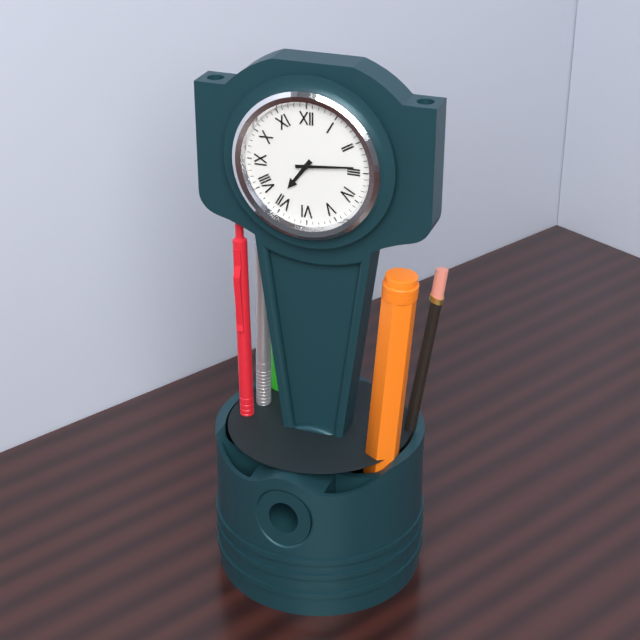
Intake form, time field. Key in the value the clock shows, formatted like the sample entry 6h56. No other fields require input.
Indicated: 7h14
